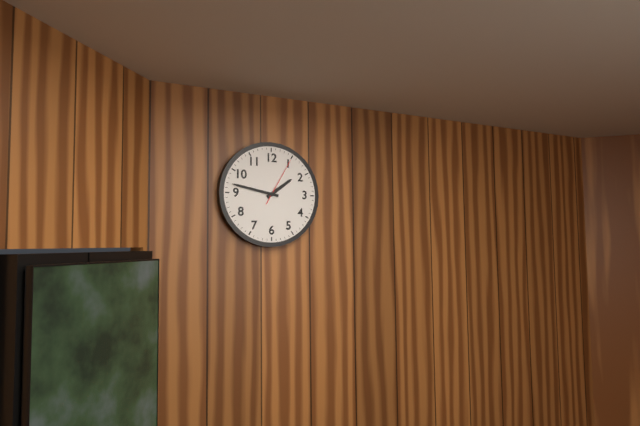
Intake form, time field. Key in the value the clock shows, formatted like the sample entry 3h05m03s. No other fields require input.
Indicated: 1h47m05s
